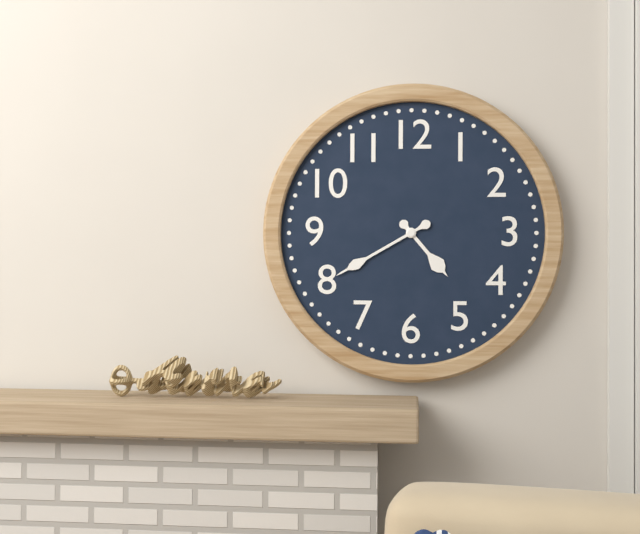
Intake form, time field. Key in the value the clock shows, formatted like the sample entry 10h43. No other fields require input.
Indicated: 4h40
